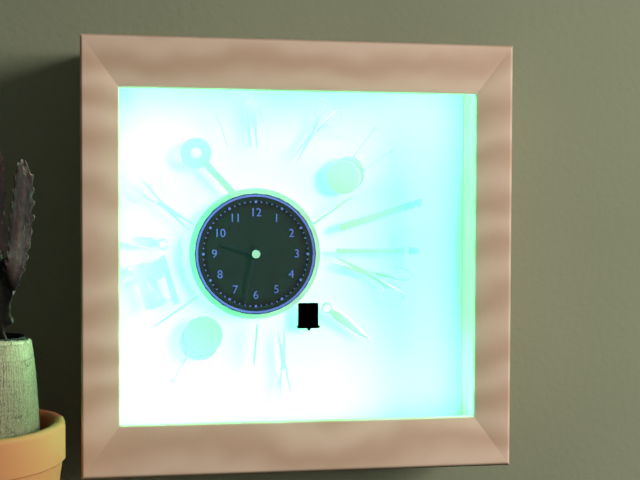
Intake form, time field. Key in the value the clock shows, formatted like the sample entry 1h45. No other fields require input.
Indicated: 9h32
